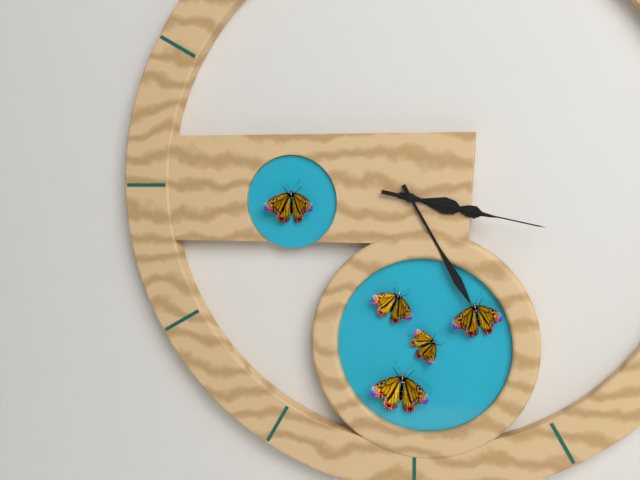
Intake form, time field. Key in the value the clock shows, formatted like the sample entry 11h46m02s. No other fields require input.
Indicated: 3h25m17s
